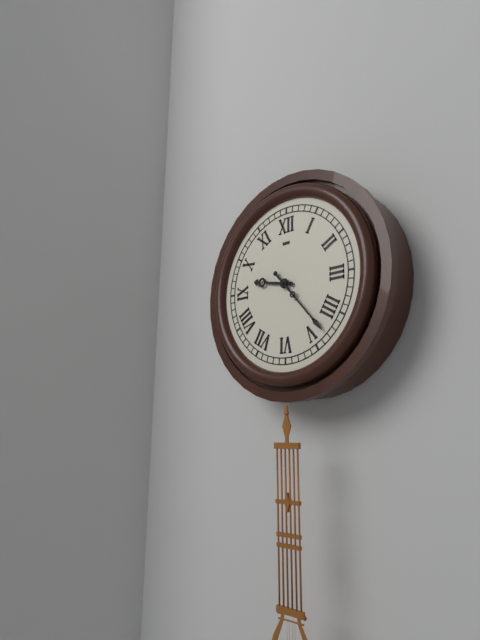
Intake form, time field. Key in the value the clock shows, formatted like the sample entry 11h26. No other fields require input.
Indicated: 9h23
